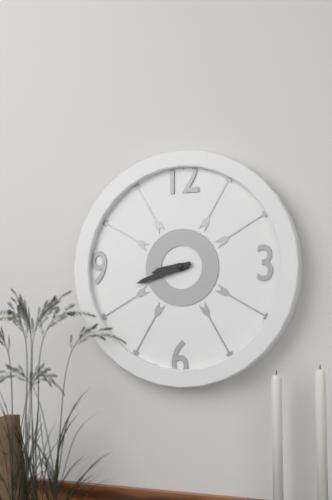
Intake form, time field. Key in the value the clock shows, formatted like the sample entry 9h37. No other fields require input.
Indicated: 8h42
